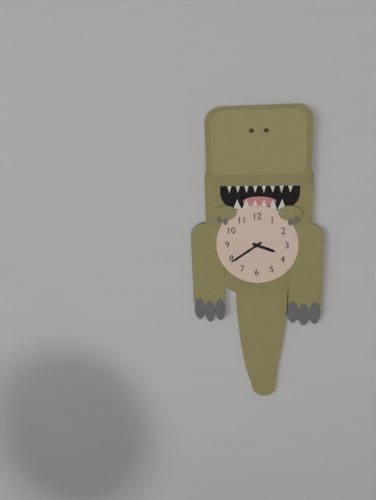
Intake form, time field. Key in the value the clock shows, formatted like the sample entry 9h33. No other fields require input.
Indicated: 3h39
